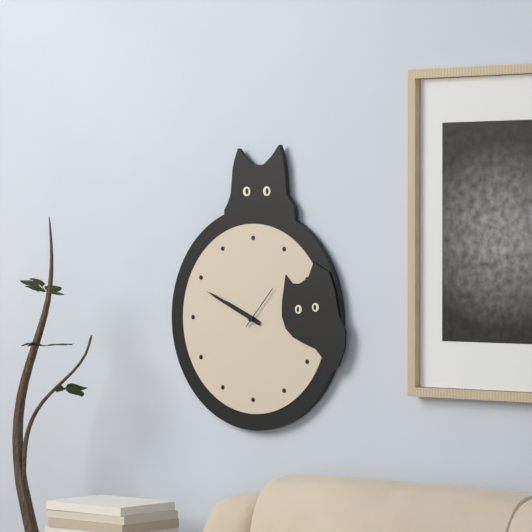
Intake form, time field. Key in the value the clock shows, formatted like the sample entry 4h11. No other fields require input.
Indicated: 9h49
